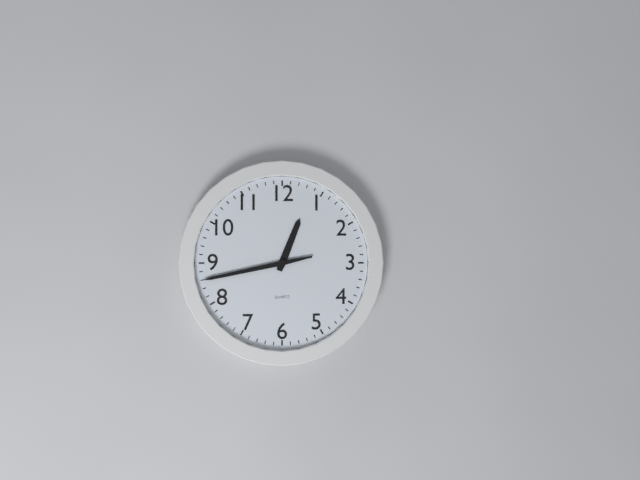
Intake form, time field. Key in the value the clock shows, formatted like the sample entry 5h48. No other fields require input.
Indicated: 12h43
